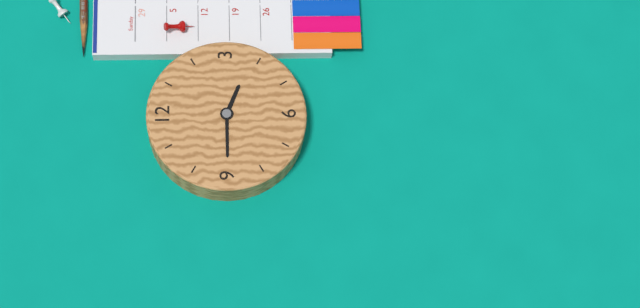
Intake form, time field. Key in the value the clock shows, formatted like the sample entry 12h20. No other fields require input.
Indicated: 3h45
